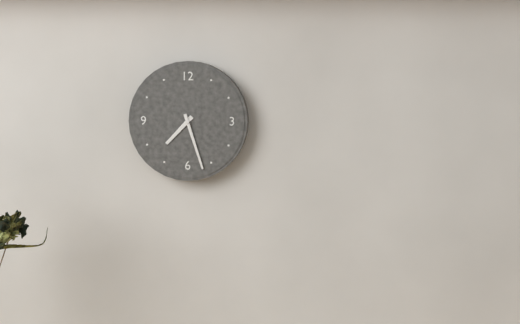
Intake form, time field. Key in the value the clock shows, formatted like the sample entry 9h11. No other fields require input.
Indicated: 7h27
